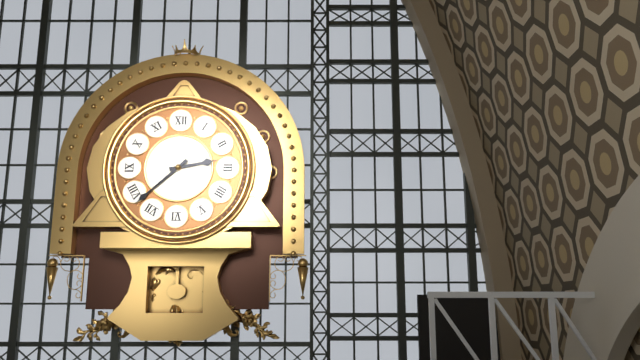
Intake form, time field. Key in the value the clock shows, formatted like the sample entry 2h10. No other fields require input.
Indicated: 2h38
